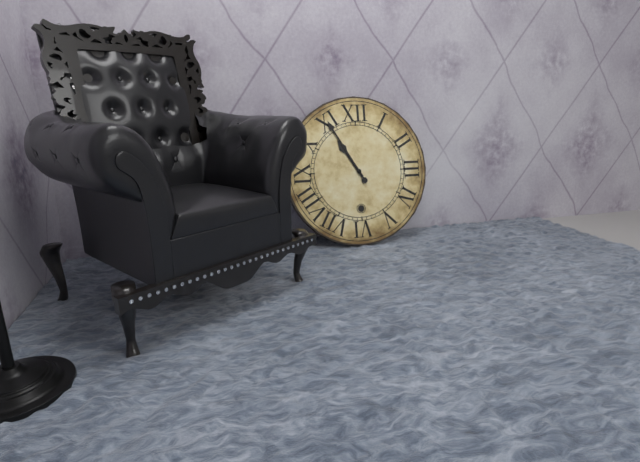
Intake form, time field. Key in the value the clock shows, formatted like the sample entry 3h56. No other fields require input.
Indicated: 10h55
